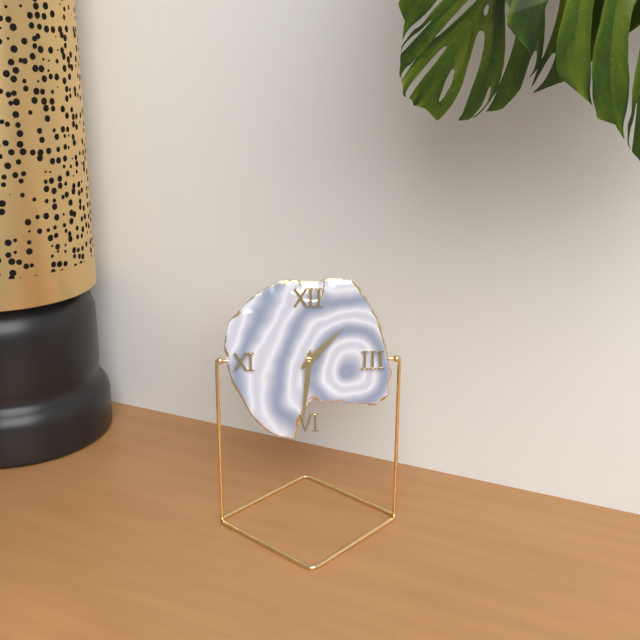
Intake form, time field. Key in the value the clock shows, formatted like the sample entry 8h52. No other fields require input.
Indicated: 1h31
